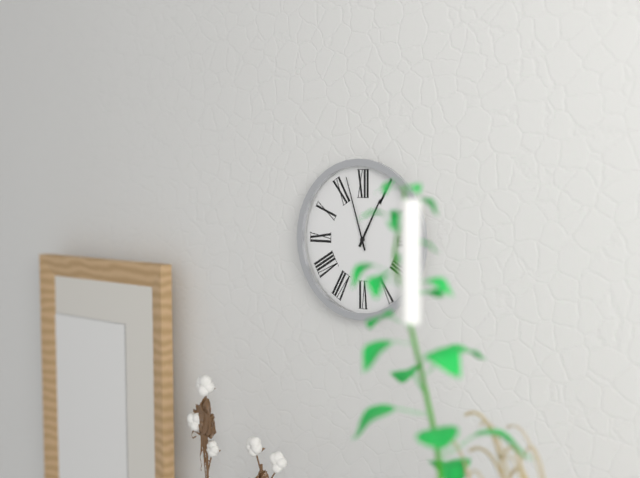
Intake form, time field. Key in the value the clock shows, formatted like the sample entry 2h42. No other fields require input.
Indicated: 12h57
